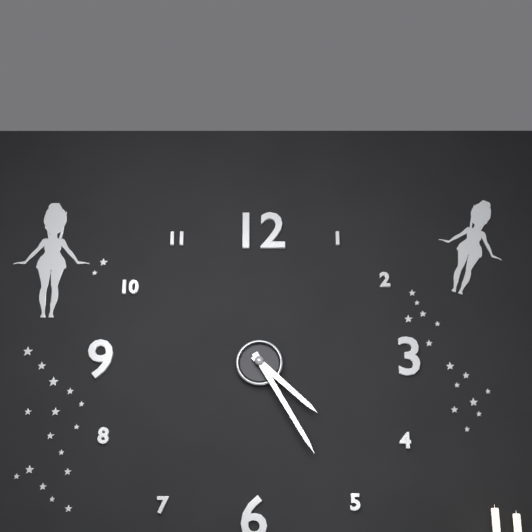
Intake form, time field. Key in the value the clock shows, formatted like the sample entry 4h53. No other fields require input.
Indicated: 4h25
